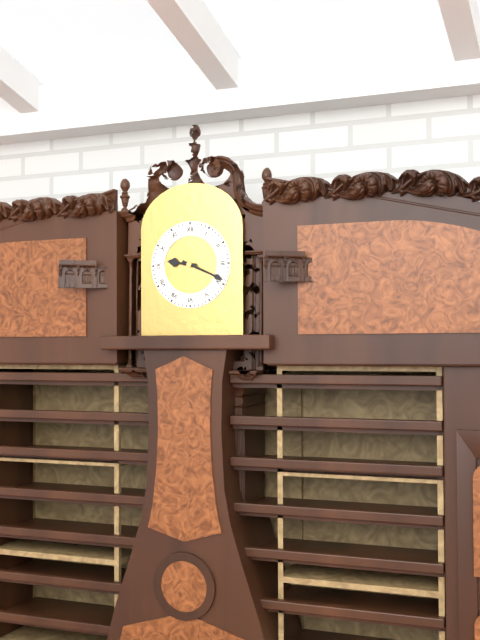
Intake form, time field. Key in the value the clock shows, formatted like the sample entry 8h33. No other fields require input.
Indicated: 9h19
